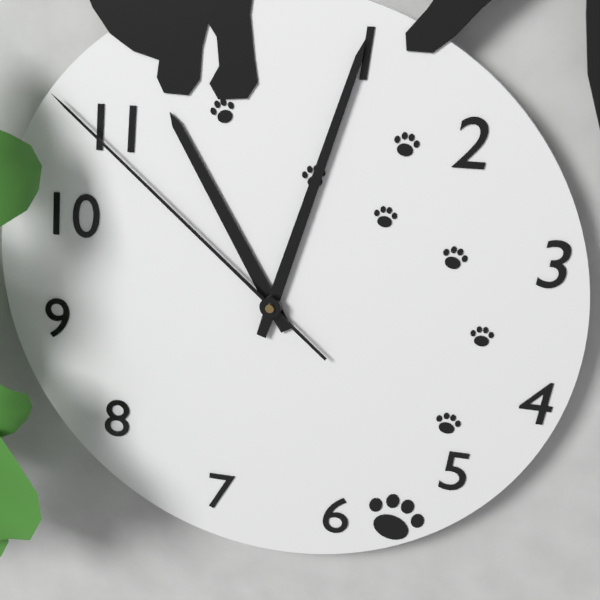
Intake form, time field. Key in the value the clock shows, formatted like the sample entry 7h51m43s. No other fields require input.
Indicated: 11h03m52s
